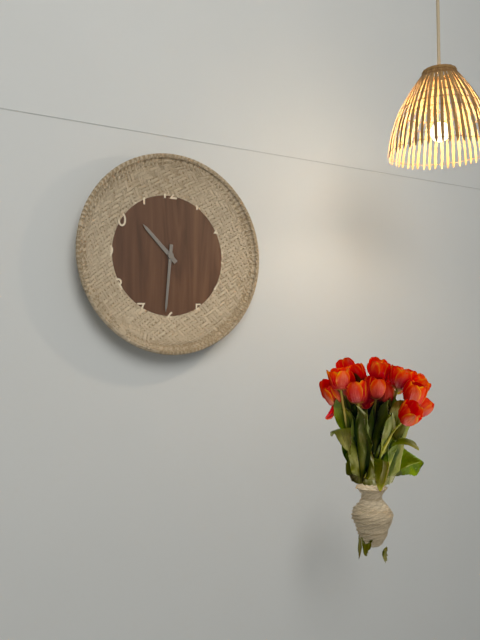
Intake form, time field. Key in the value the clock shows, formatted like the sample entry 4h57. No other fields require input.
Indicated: 10h31
